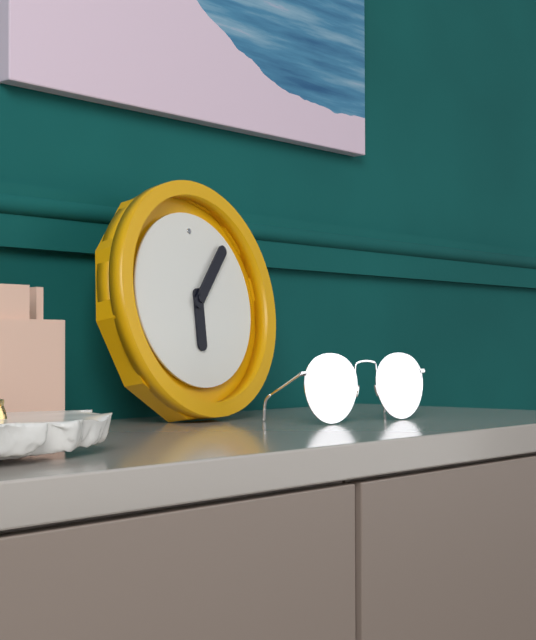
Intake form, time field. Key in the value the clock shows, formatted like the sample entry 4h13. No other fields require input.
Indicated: 6h07
